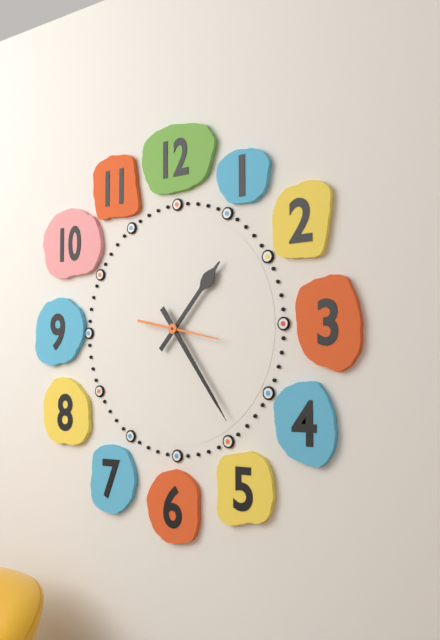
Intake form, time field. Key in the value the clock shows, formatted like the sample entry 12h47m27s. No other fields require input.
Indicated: 1h24m17s
